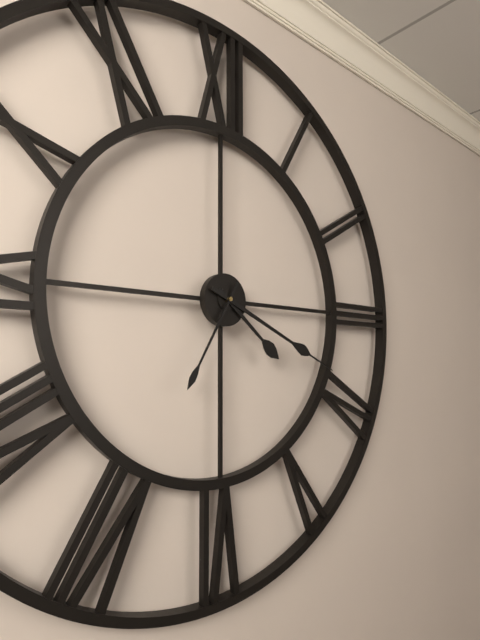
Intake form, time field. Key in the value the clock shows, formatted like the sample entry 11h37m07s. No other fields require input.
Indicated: 4h19m35s
